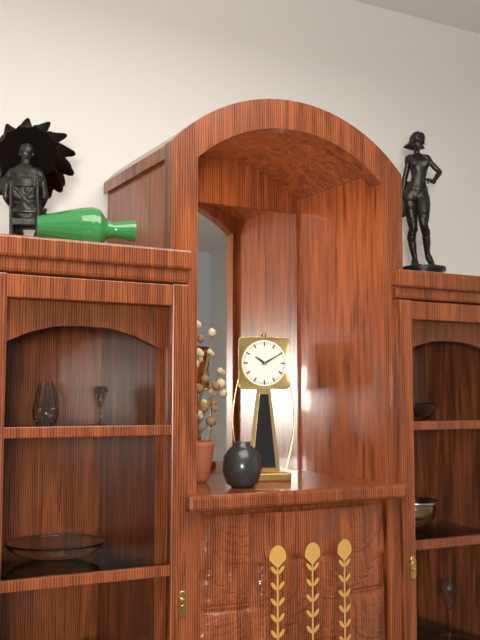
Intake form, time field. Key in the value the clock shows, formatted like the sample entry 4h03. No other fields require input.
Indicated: 10h10
